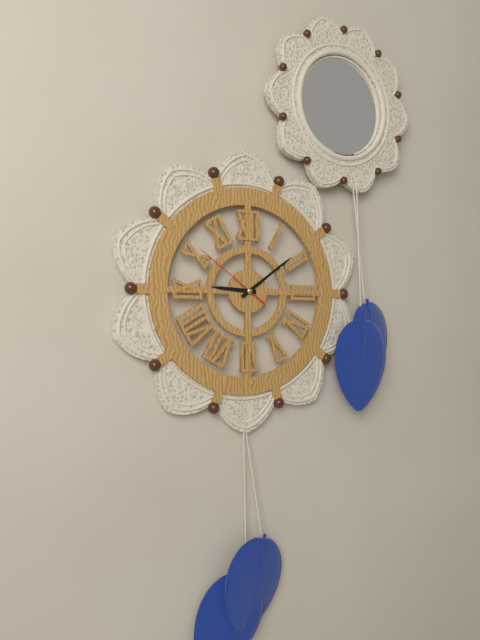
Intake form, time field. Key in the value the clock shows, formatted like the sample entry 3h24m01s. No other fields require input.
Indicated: 9h09m51s
